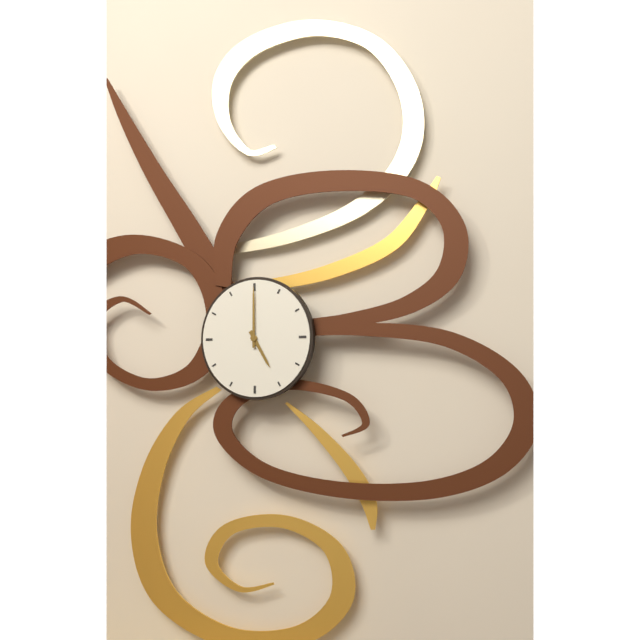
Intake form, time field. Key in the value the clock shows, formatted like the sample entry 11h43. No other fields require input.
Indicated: 5h00
